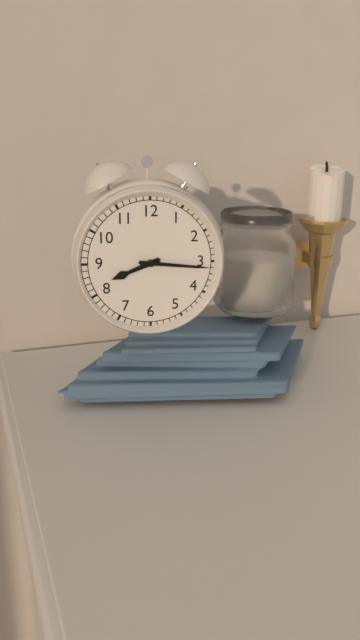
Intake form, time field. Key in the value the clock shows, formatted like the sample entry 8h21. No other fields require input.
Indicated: 8h16
